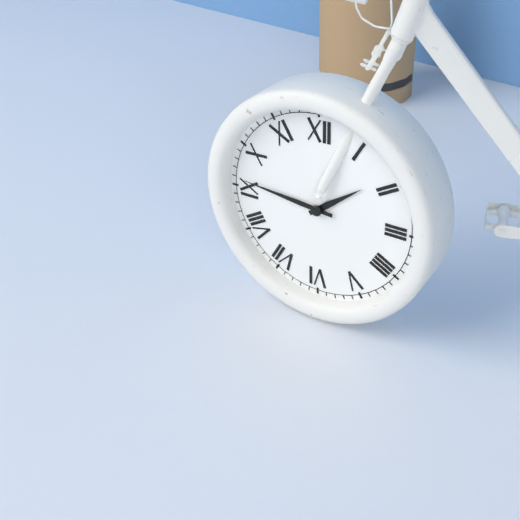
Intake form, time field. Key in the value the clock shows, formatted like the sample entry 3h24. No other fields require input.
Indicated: 1h46
